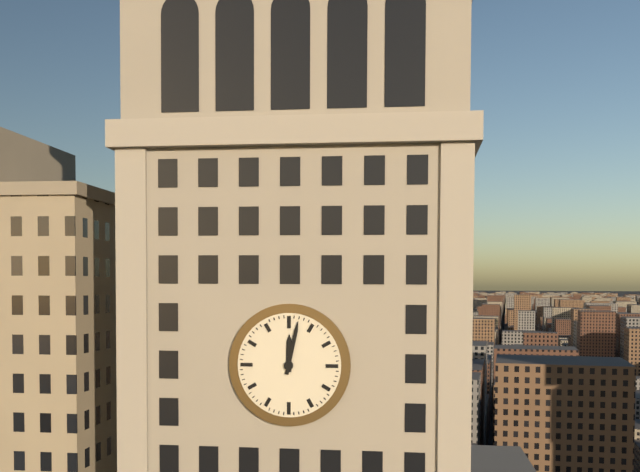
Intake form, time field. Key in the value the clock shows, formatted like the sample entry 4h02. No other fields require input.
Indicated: 12h02
